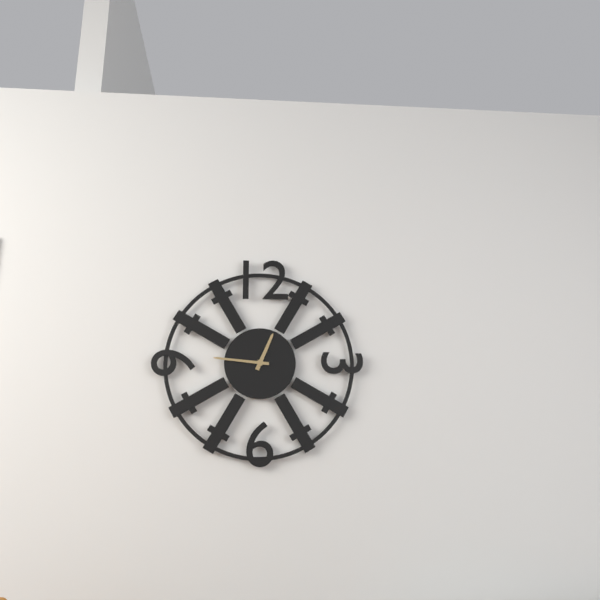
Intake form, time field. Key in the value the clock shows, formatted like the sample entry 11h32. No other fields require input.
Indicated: 12h46
